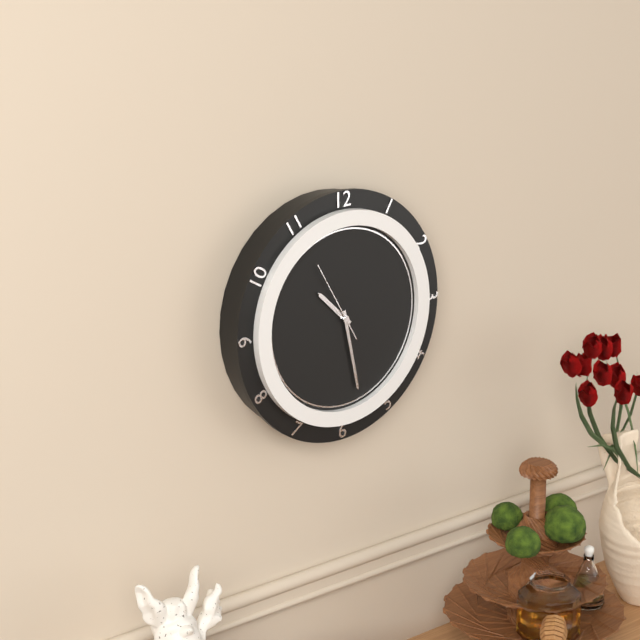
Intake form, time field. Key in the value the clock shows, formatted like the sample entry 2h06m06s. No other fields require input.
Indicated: 10h28m55s
